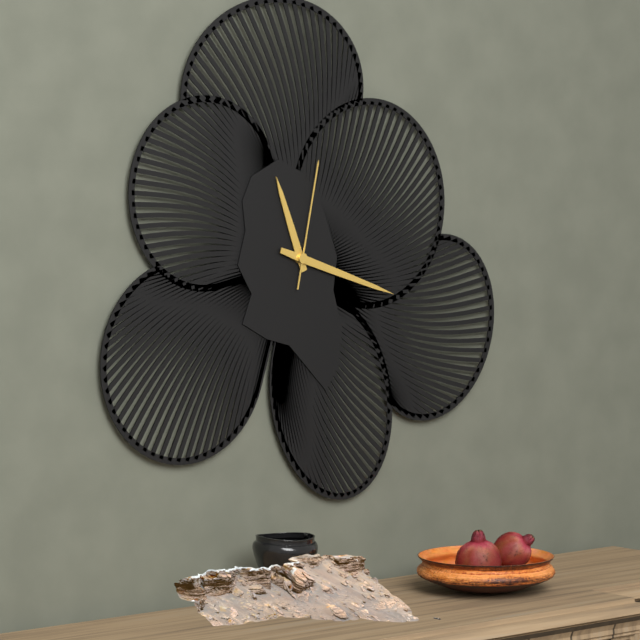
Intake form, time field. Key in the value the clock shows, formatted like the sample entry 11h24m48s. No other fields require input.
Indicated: 11h18m02s
